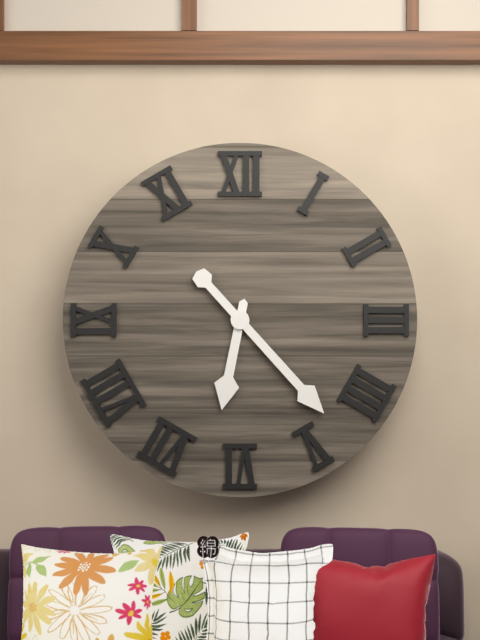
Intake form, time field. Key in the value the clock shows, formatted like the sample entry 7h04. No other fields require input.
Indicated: 6h23
